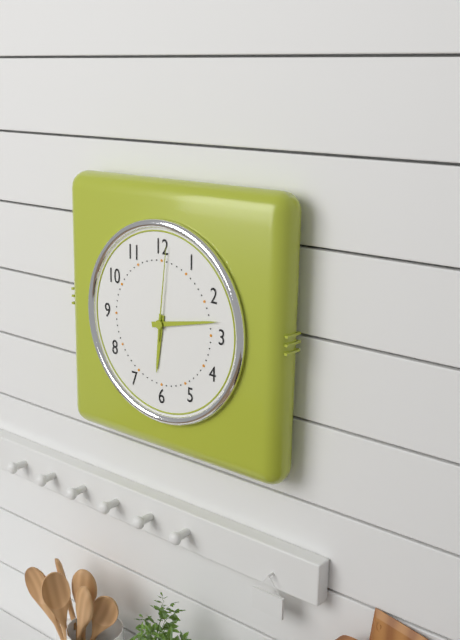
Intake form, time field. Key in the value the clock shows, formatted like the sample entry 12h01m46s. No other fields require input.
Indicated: 6h13m01s
